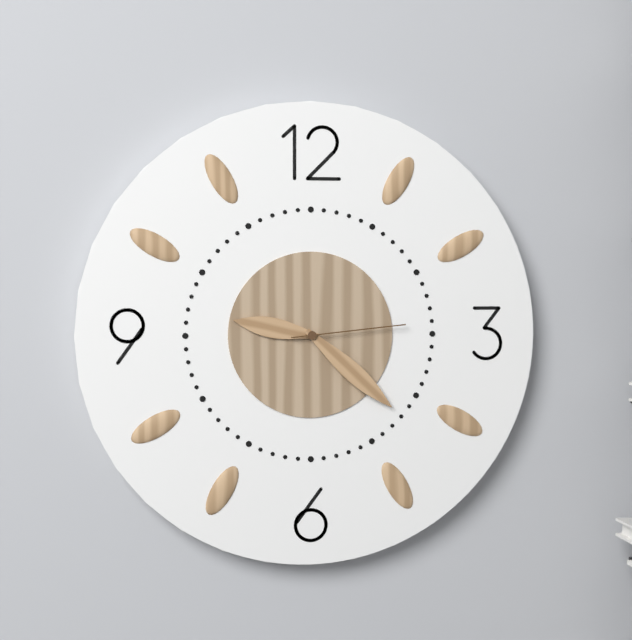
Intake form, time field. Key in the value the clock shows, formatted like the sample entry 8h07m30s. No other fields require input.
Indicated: 9h22m14s
